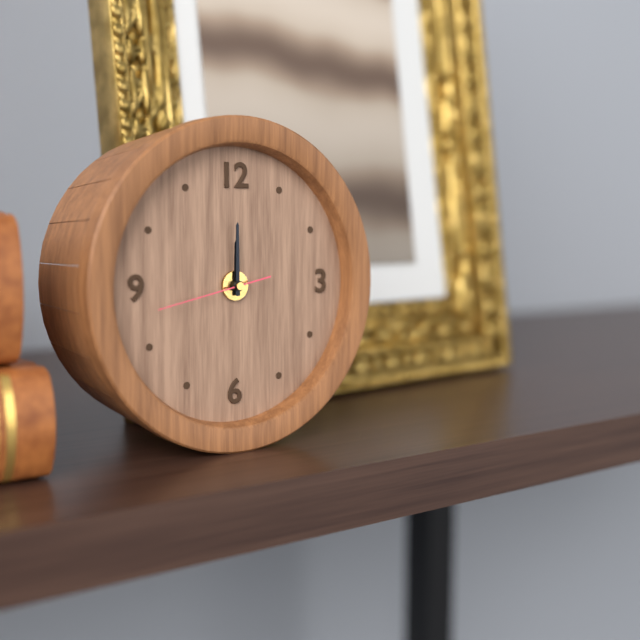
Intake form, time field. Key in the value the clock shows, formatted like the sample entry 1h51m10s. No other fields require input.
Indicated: 12h00m43s
